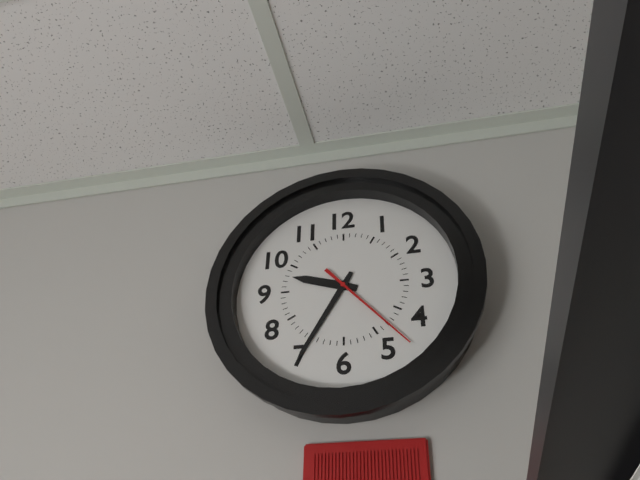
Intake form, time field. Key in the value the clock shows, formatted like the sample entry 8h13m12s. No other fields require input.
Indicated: 9h35m23s
